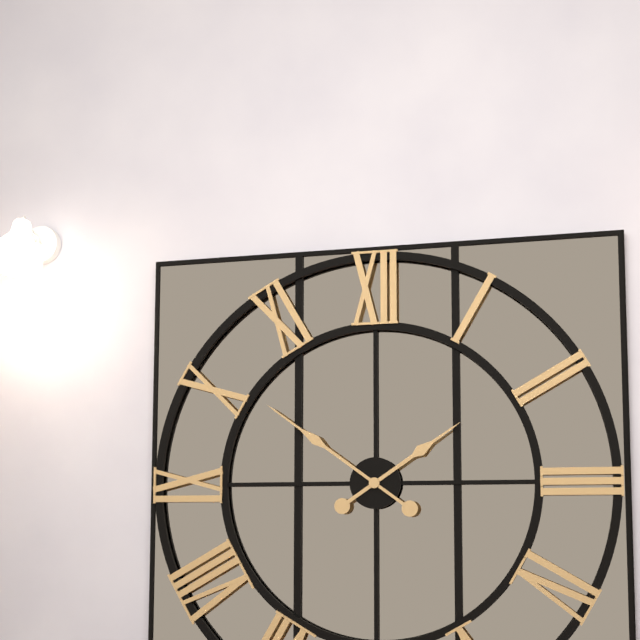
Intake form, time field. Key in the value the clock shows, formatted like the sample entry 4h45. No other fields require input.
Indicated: 1h51
